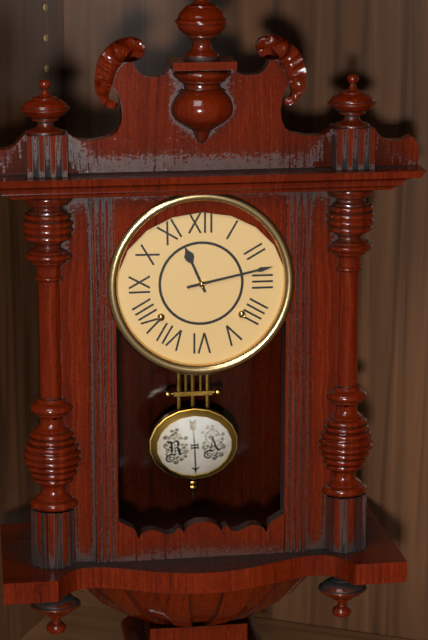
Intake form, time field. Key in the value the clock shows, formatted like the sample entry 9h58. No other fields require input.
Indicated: 11h13
